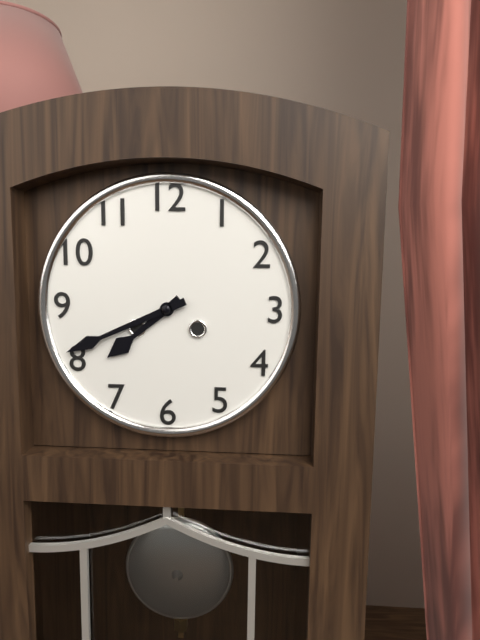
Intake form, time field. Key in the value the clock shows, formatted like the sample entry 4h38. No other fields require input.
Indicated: 7h41
